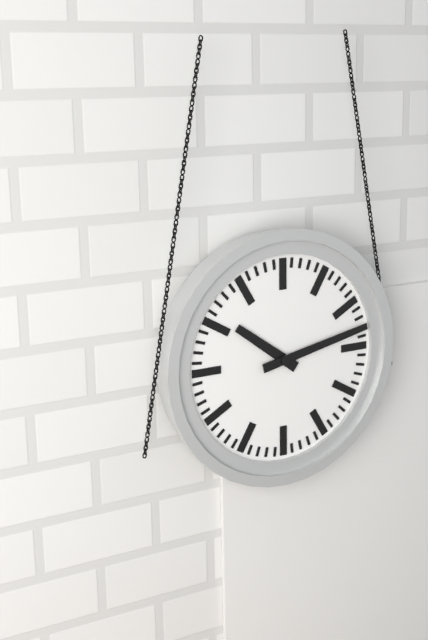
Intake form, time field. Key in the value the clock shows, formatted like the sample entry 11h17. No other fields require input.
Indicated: 10h13
